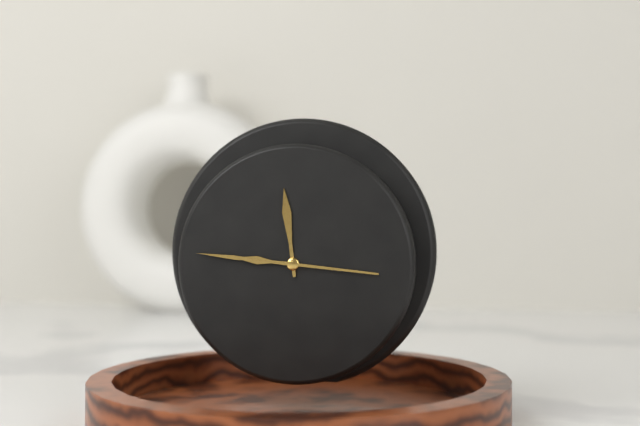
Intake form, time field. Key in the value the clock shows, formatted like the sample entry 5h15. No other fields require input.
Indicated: 11h46
